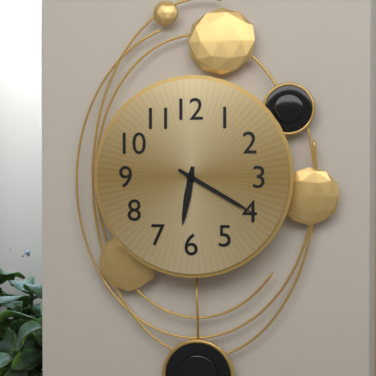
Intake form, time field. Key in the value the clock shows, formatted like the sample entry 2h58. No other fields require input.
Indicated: 6h20
